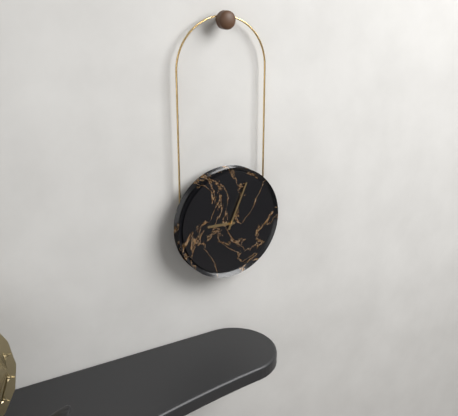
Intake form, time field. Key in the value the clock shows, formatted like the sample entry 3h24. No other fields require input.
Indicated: 9h04
